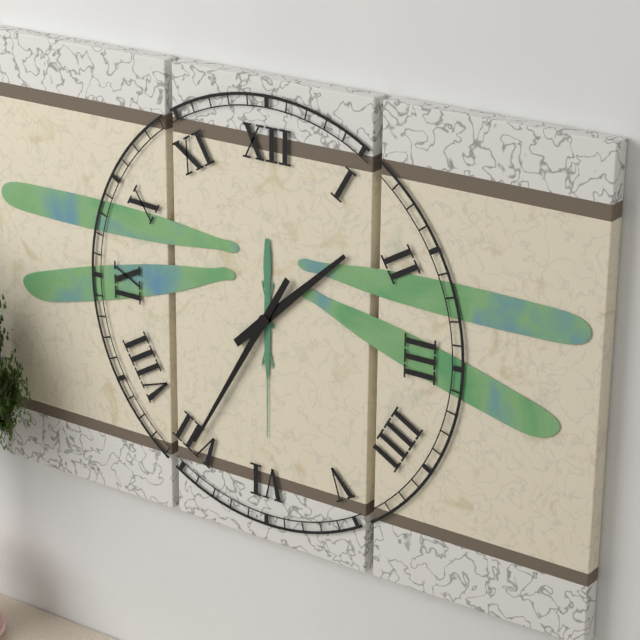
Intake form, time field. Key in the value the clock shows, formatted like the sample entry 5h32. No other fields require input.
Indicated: 1h35
